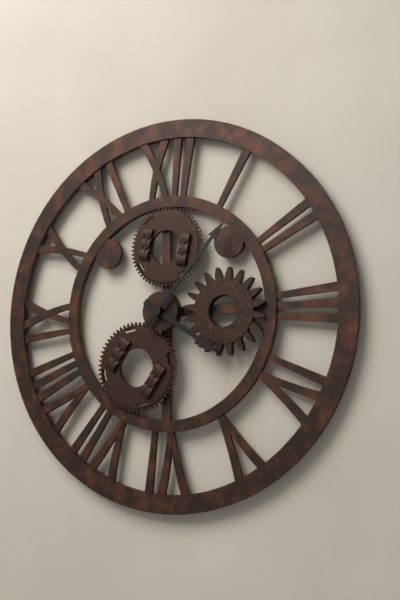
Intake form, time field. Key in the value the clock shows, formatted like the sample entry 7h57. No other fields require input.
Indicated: 4h07
